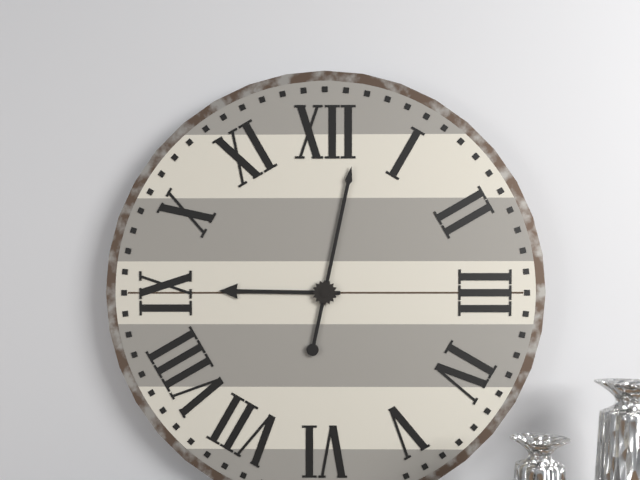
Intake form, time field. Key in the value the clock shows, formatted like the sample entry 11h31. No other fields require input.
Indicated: 9h02
